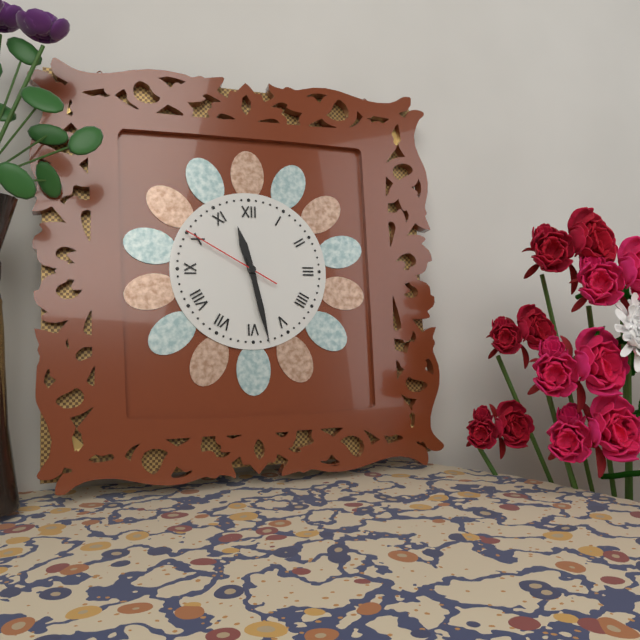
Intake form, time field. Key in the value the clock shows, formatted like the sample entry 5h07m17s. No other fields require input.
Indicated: 11h28m50s
